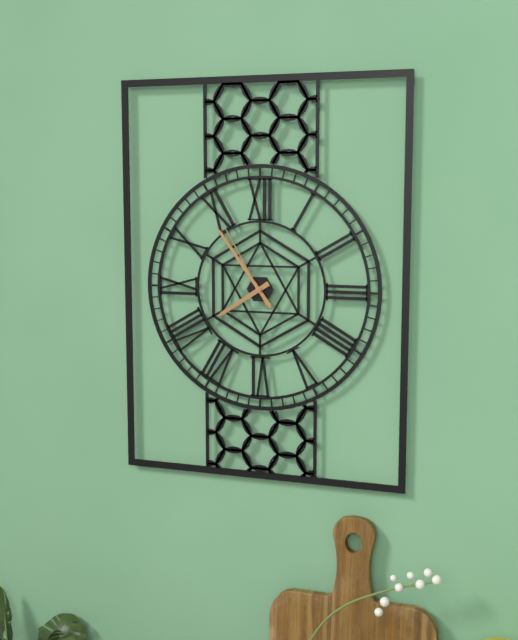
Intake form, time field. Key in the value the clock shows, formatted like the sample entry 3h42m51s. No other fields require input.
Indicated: 7h54m55s
